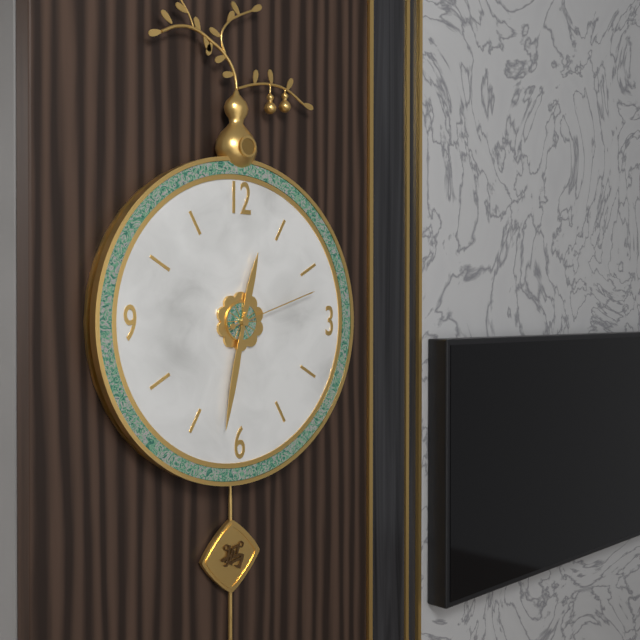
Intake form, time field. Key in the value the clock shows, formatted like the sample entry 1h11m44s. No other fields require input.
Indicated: 12h32m12s
